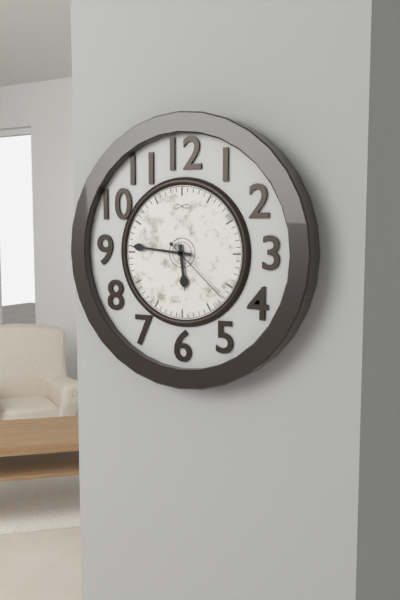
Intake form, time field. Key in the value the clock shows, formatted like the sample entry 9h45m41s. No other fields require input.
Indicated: 5h46m22s
